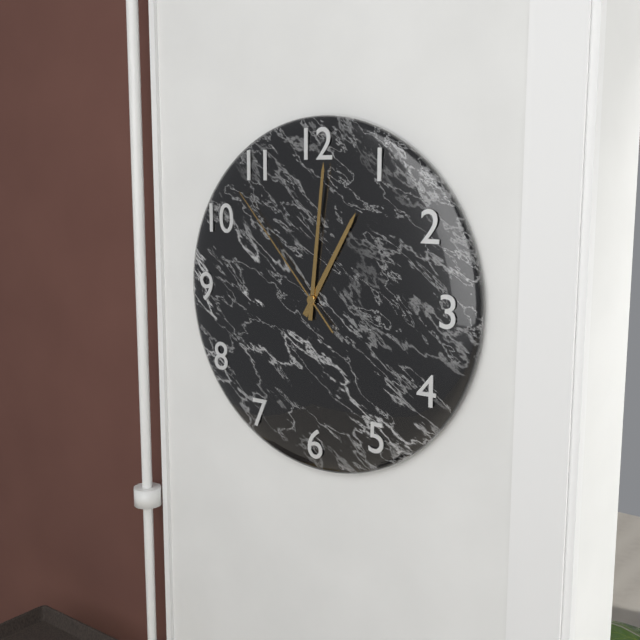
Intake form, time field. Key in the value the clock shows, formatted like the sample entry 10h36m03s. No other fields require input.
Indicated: 1h01m53s
